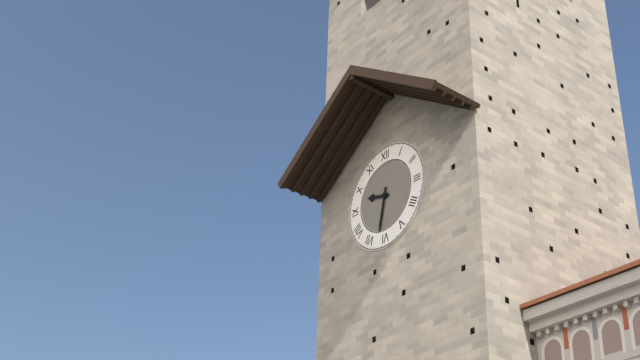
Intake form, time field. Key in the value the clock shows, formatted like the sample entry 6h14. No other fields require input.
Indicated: 9h32
